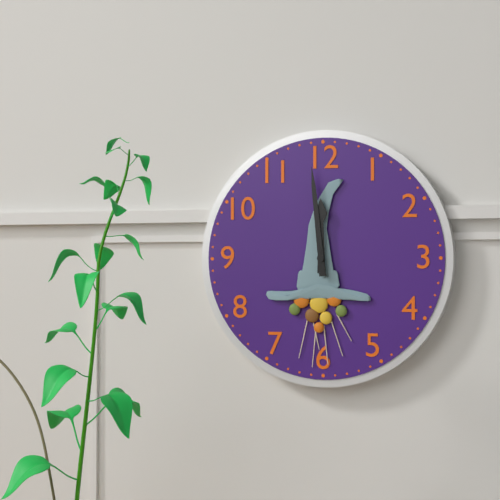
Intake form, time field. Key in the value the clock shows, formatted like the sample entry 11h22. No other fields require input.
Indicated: 11h59
